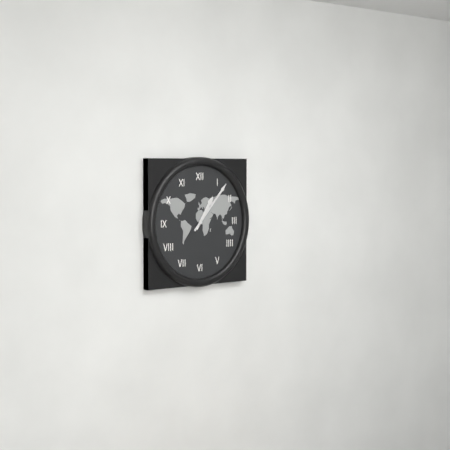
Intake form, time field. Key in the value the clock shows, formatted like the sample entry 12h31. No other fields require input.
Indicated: 1h07
